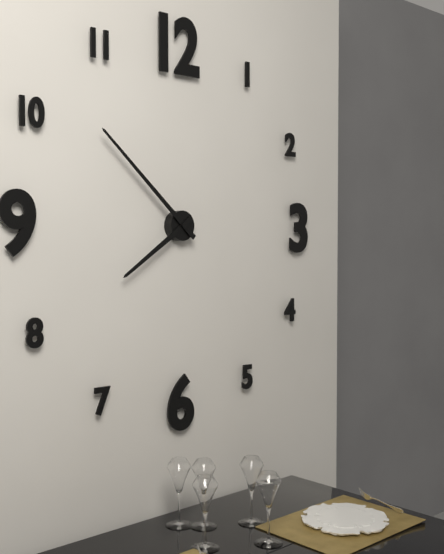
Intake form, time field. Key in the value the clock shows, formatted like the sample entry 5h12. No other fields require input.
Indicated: 7h52
